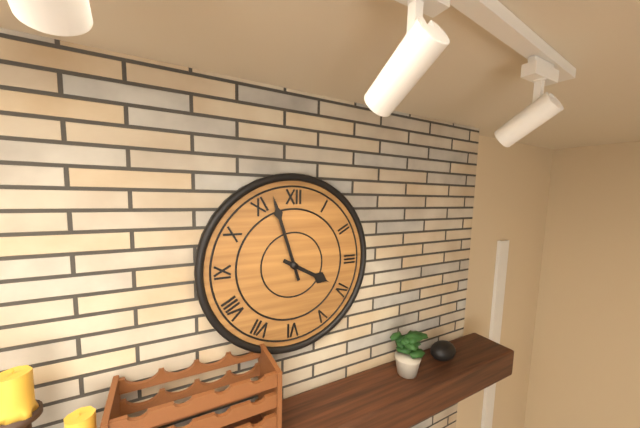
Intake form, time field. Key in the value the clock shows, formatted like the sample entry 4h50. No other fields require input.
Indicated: 3h57
